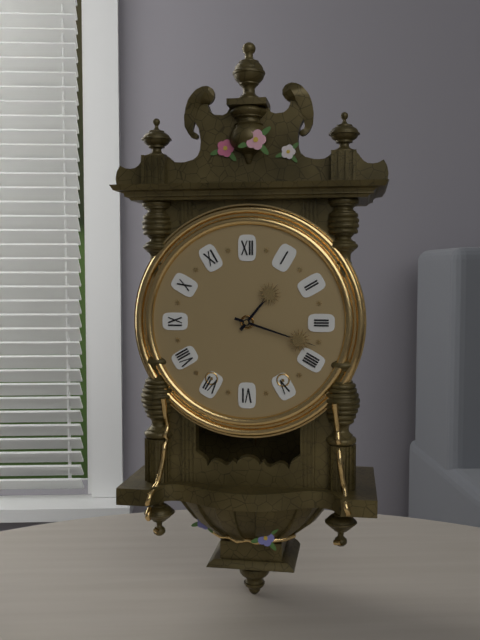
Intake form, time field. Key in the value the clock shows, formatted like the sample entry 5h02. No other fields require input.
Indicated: 1h18
